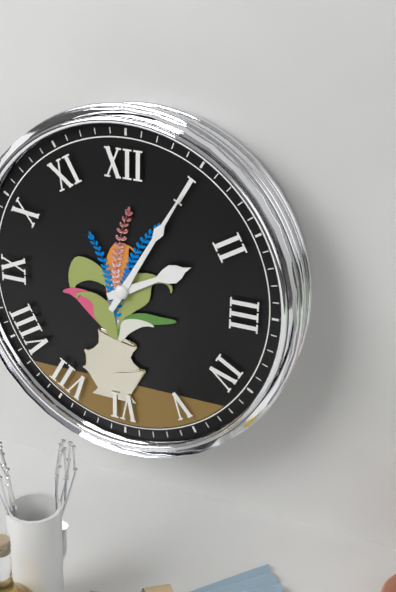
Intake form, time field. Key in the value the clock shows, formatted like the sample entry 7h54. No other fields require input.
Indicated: 2h05
